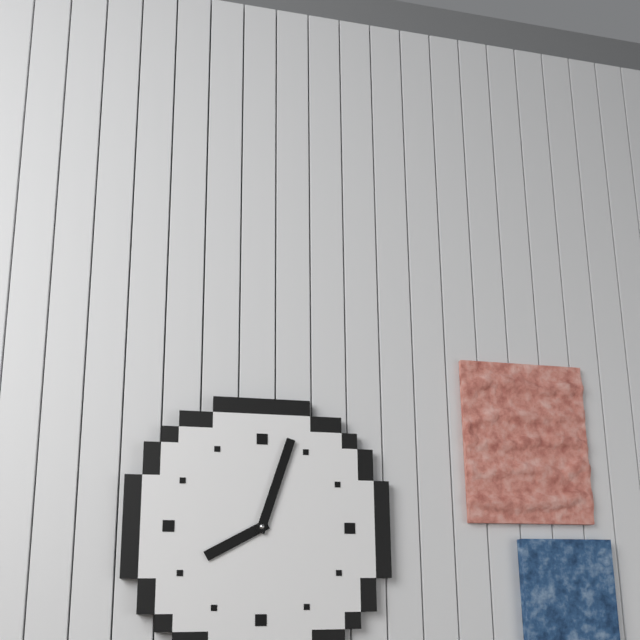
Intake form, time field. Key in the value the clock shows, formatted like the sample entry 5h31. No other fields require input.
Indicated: 8h03
